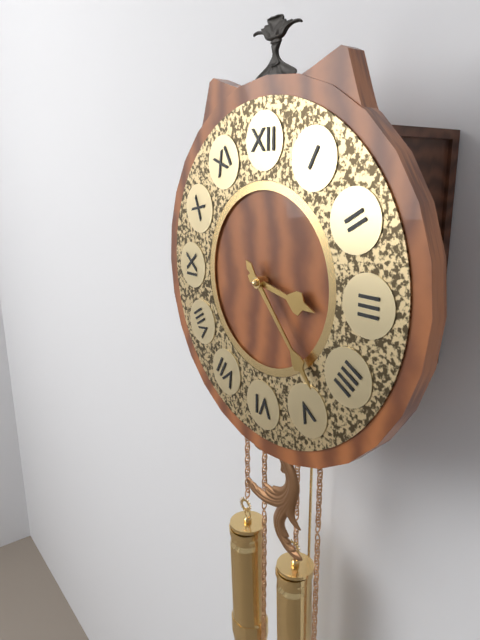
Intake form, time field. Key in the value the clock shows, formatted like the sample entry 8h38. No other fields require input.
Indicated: 3h23
